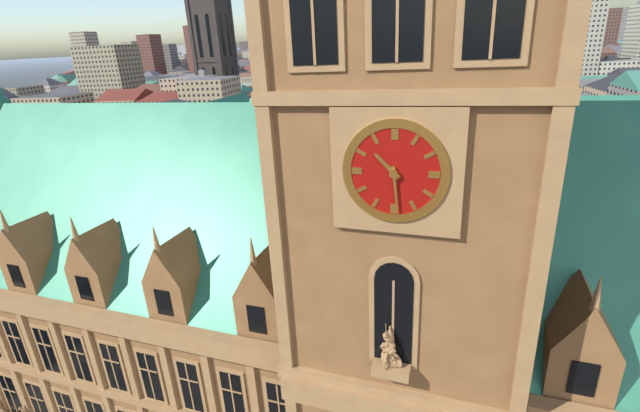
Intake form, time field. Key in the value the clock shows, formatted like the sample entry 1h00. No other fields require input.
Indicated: 10h29
